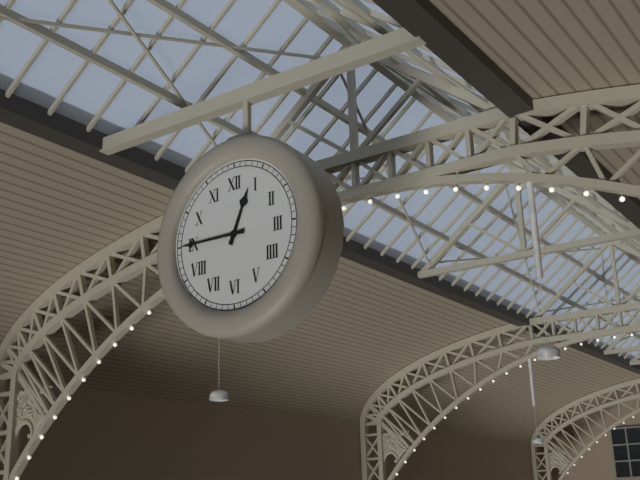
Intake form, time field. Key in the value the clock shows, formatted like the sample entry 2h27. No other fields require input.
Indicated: 12h45
